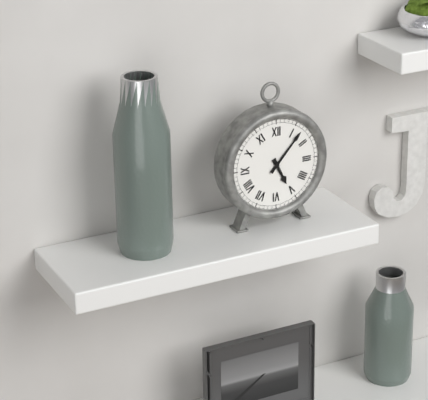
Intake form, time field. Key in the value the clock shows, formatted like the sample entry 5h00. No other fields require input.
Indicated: 5h07
